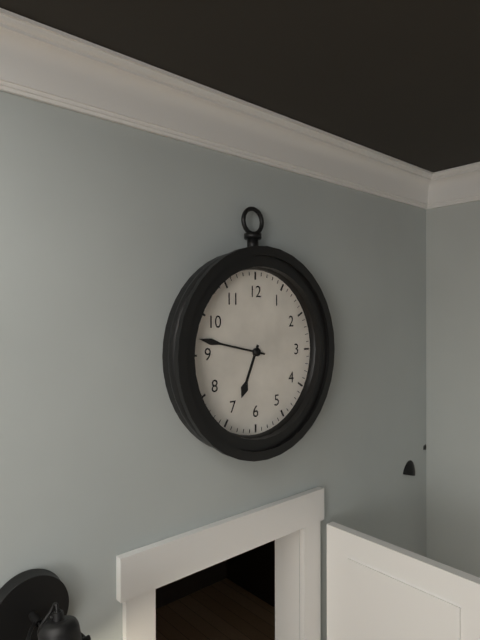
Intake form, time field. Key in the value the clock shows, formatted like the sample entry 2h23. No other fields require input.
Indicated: 6h47
